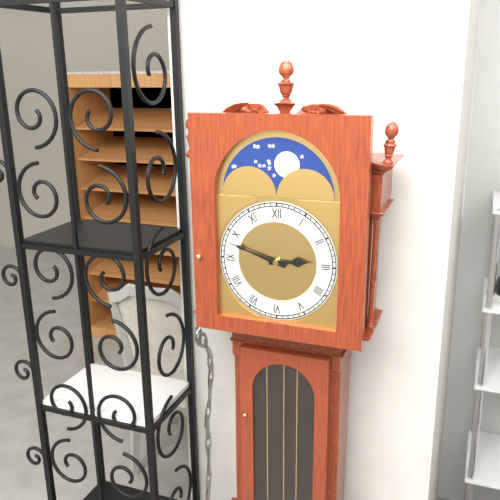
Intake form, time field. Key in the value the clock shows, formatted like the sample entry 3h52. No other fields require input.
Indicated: 2h48
